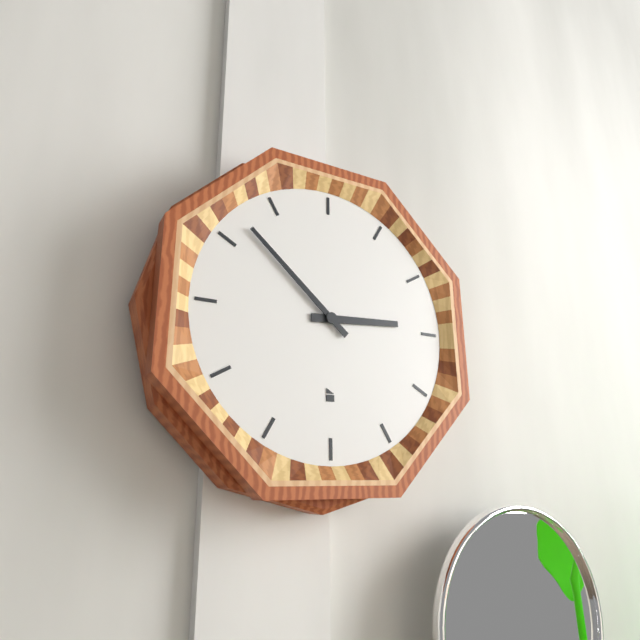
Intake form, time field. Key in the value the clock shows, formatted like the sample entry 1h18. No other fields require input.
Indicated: 2h52
